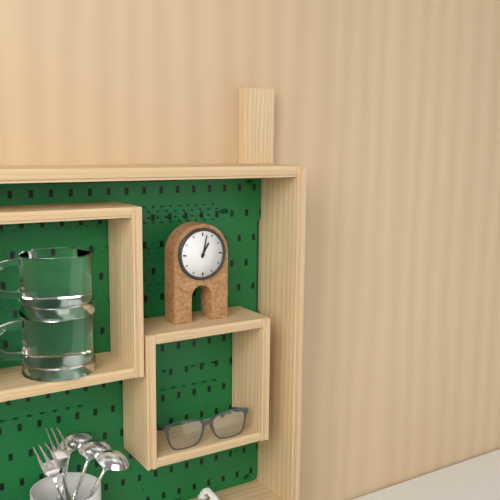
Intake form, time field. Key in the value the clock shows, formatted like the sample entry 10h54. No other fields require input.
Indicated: 1h02
